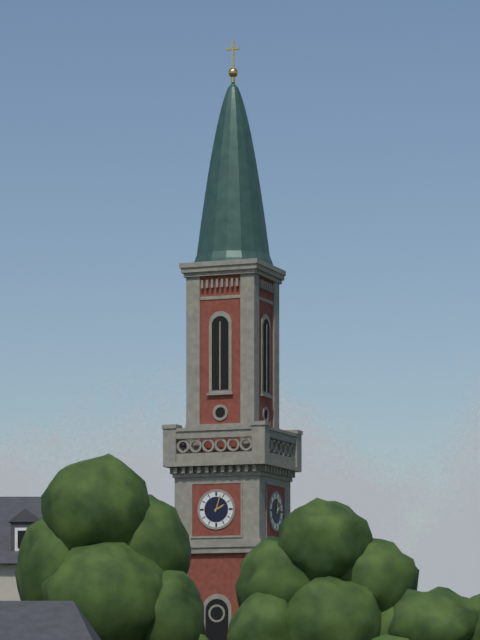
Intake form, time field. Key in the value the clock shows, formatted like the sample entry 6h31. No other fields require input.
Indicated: 2h03
